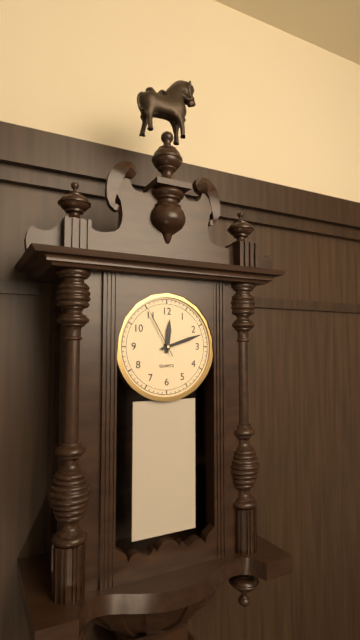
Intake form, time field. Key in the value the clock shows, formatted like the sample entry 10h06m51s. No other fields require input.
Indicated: 12h12m55s
